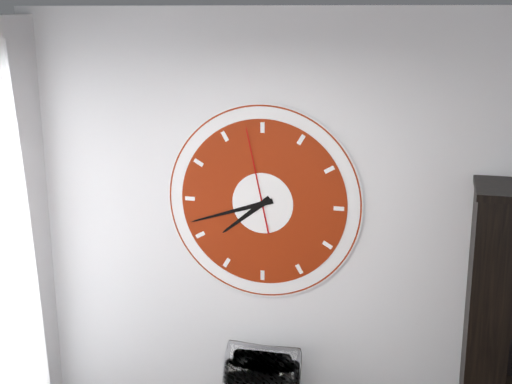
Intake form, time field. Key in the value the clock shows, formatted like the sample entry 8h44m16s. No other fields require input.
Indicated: 7h42m58s
